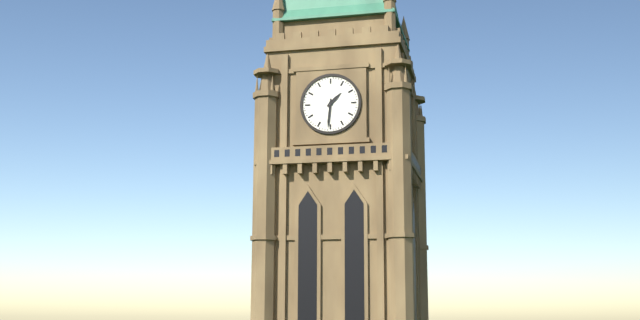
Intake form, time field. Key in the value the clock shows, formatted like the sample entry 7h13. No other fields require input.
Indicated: 1h31
